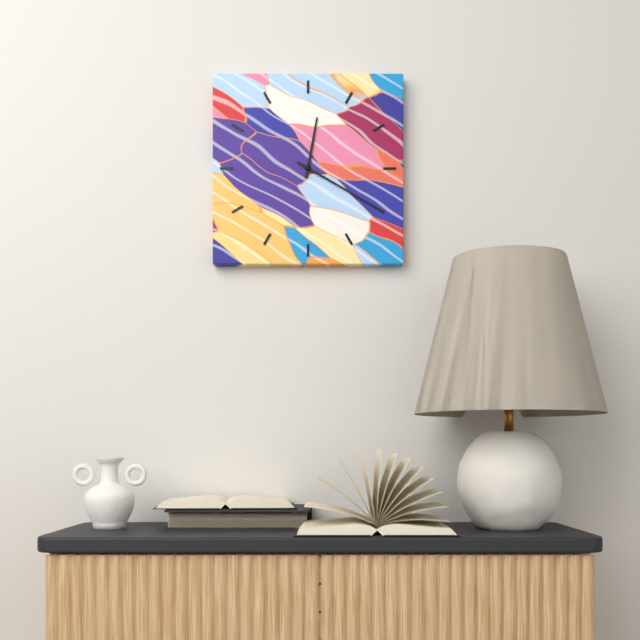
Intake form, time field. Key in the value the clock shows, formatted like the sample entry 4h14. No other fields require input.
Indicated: 12h20
